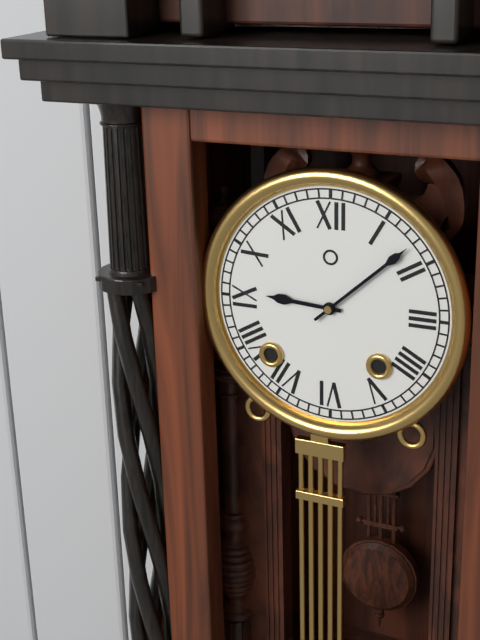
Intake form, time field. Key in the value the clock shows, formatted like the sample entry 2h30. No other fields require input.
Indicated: 9h08
